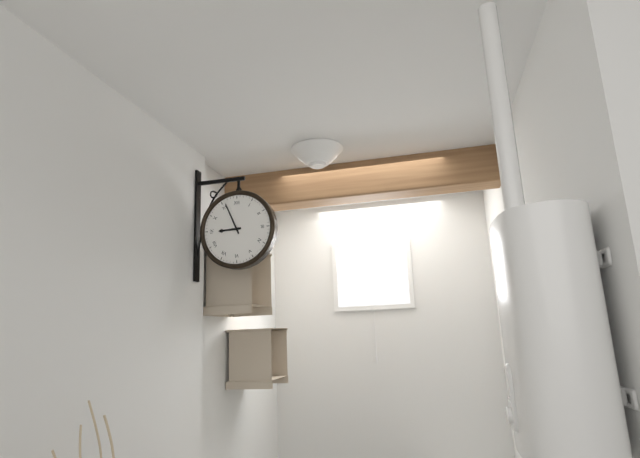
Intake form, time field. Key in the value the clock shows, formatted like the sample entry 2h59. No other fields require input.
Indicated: 8h56
